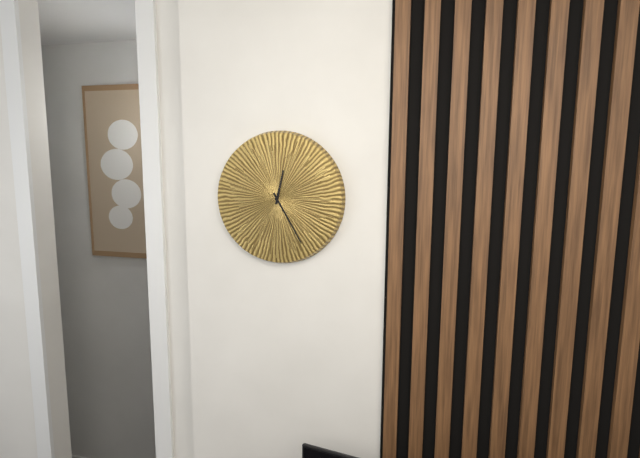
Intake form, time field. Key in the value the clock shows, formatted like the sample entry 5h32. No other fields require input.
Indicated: 12h25
